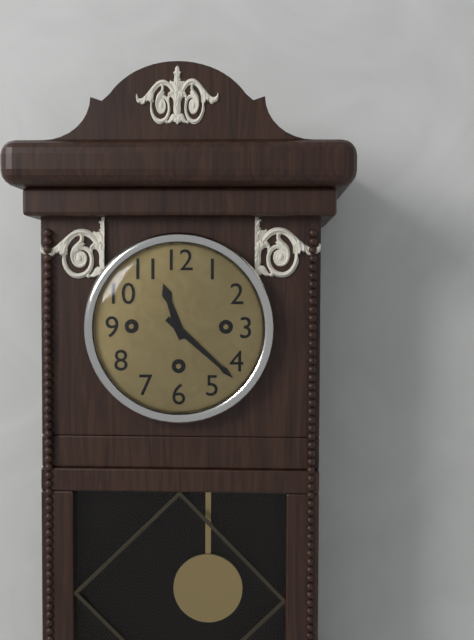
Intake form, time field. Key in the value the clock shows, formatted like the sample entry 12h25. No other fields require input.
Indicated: 11h22
